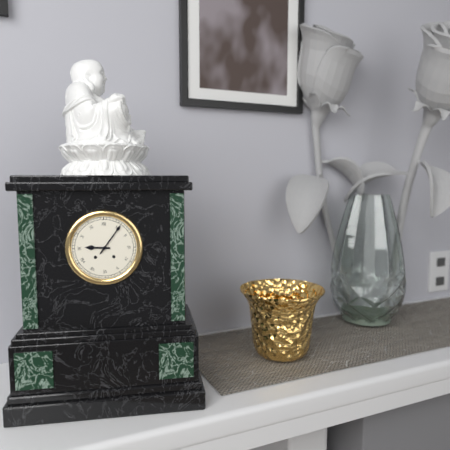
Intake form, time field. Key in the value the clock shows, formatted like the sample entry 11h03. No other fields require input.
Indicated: 9h06
